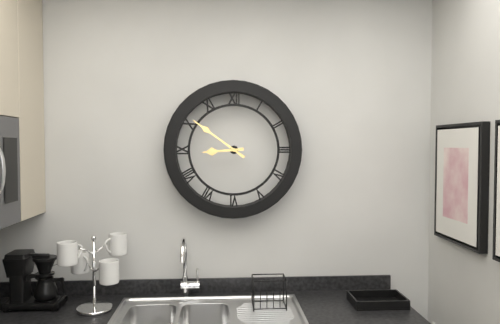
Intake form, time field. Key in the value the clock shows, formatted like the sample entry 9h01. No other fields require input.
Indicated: 8h51
